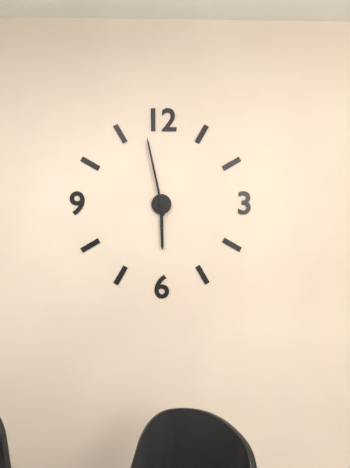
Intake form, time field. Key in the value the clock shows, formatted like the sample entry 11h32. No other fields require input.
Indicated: 5h58
